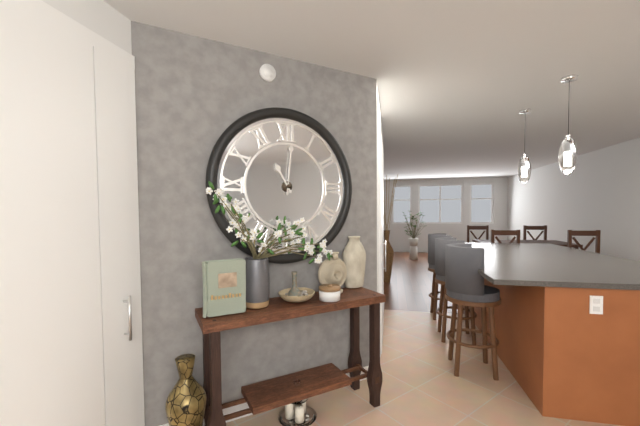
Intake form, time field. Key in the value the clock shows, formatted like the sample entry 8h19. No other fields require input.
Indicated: 11h01
